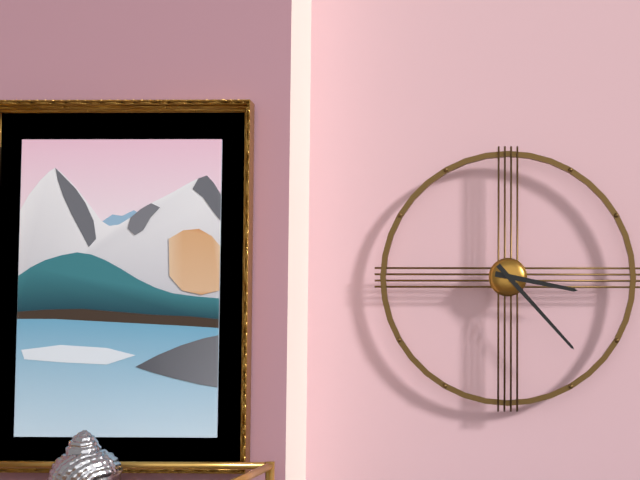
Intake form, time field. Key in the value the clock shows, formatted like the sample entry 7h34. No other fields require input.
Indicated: 3h23
